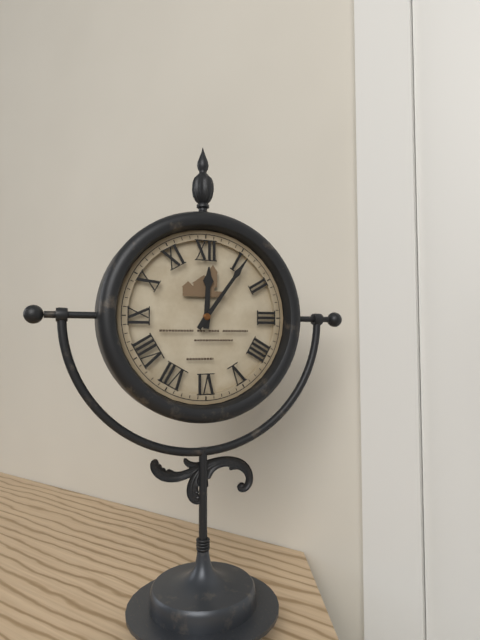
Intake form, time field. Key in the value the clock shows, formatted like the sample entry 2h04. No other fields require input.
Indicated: 12h06
